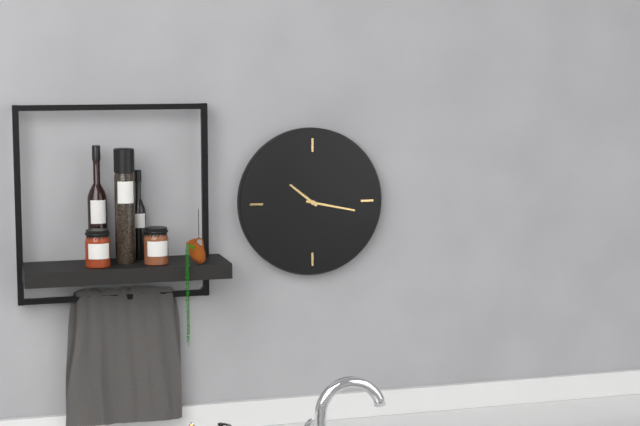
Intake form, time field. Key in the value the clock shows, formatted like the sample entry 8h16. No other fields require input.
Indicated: 10h17
